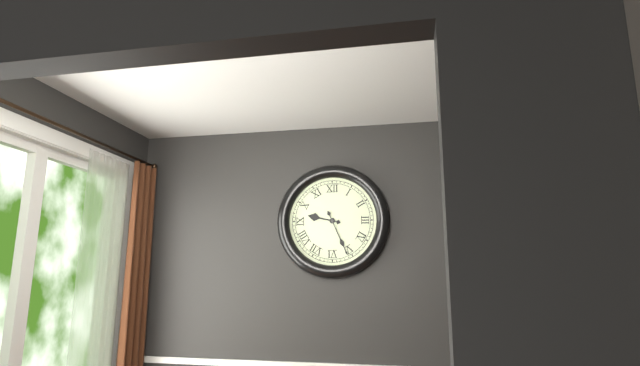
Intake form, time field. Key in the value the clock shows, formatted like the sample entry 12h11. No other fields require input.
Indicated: 9h26
